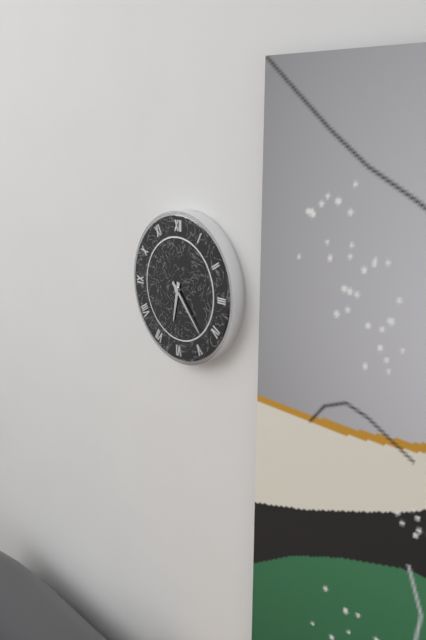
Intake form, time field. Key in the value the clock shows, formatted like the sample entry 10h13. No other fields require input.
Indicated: 6h23
